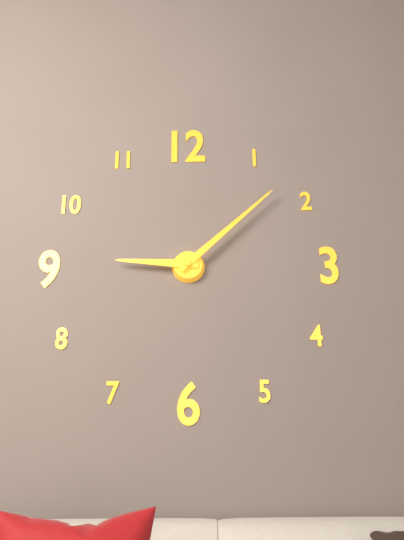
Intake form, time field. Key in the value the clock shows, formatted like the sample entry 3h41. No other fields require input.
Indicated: 9h08
